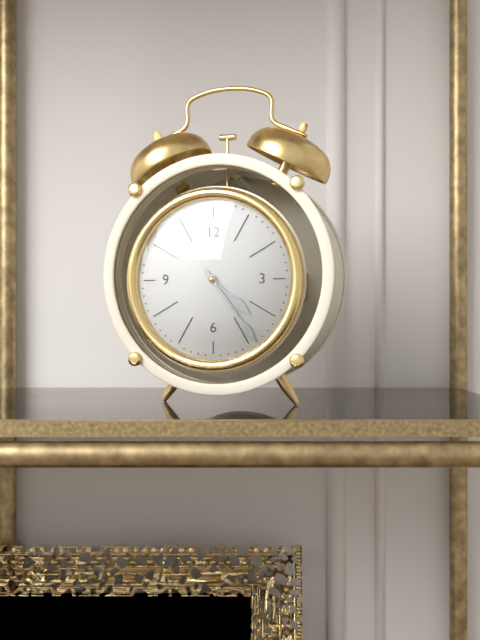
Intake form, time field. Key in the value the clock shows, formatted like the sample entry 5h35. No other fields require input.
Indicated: 4h24
